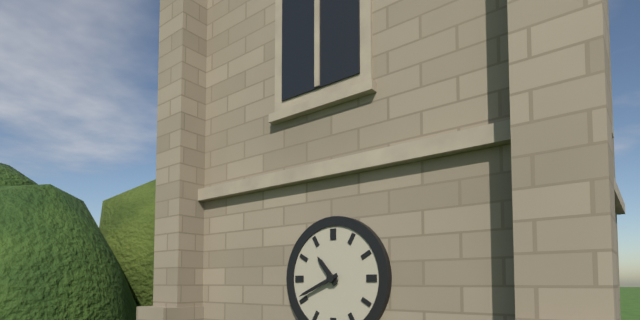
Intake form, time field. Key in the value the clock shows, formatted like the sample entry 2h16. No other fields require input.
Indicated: 10h41
